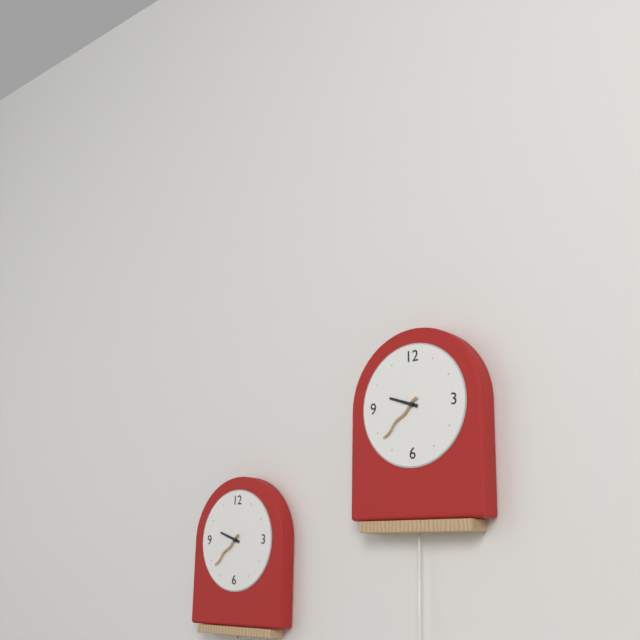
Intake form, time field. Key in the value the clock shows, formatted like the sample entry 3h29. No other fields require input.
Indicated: 9h38
